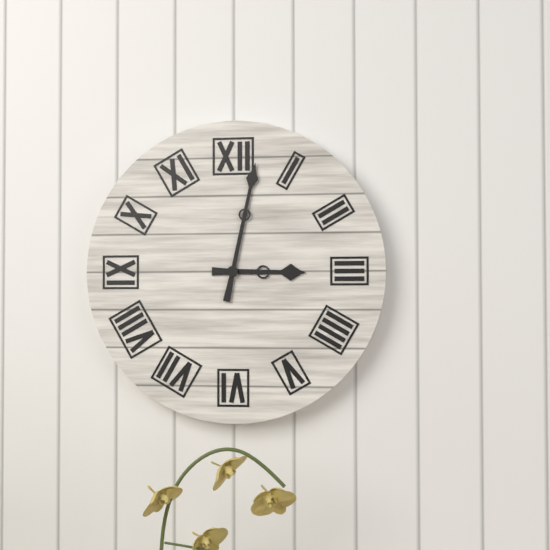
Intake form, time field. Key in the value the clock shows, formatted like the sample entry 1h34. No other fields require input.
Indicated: 3h02
